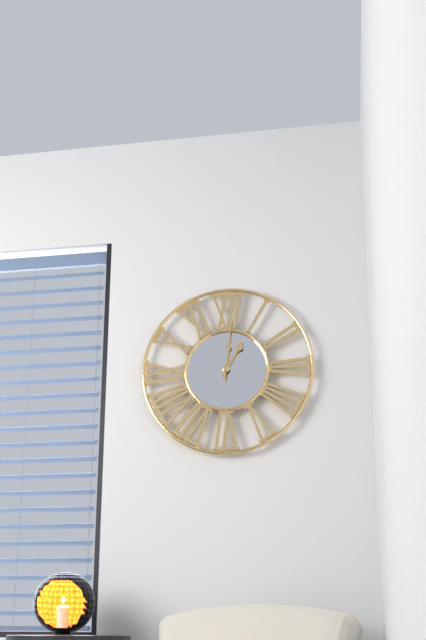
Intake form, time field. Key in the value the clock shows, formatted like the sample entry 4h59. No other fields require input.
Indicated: 1h01
